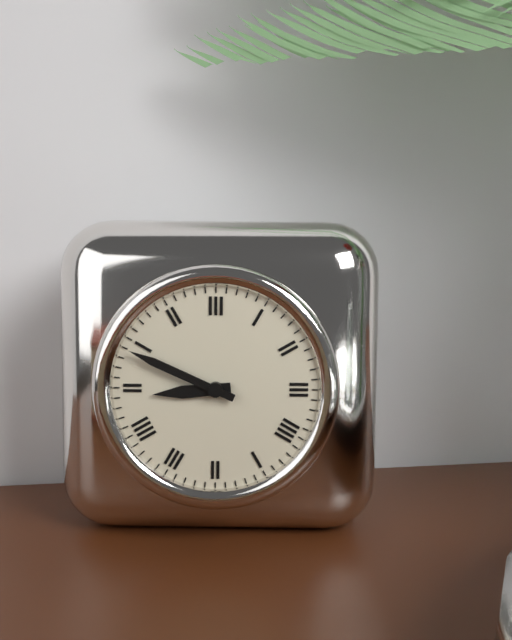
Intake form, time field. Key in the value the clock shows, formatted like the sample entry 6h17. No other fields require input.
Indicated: 8h49
